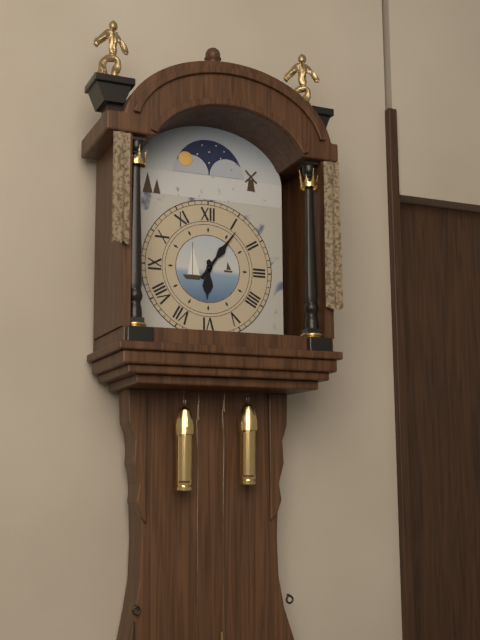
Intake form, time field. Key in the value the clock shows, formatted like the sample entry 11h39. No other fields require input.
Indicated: 6h06
